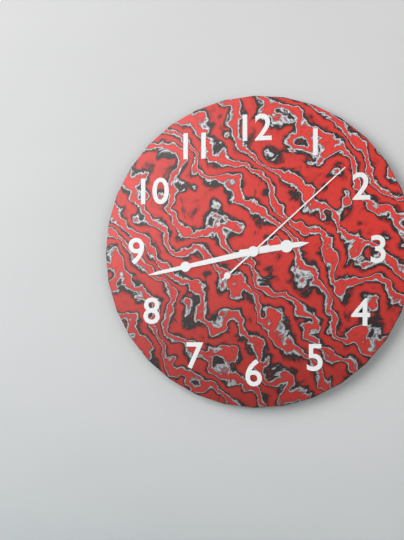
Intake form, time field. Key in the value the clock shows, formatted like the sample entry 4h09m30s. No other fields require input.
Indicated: 2h43m08s
